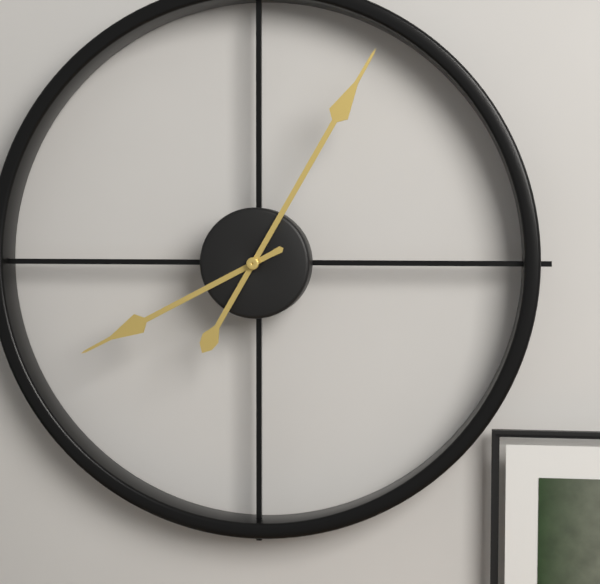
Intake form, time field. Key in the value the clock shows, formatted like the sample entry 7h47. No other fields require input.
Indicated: 8h05
